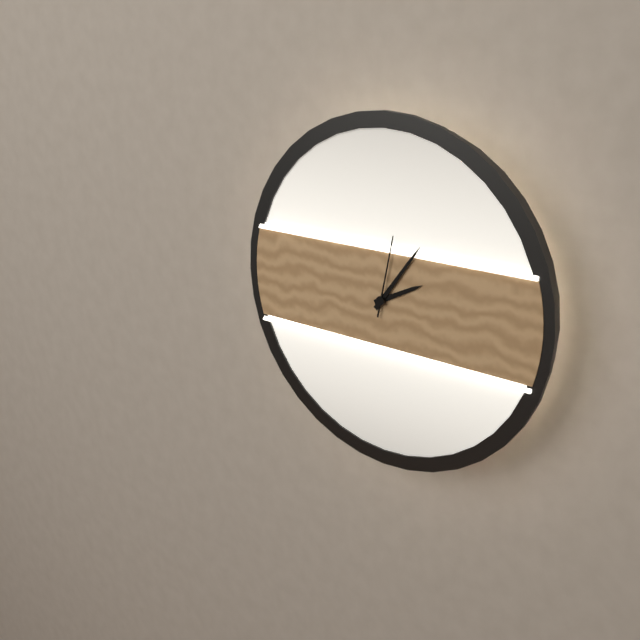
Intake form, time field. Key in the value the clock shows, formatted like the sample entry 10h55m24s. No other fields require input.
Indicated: 2h06m02s
